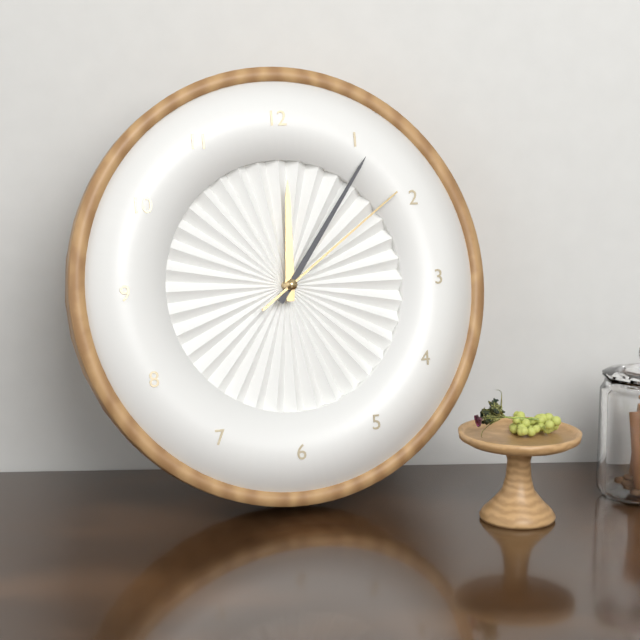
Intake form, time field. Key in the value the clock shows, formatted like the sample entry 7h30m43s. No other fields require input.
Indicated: 12h06m09s
